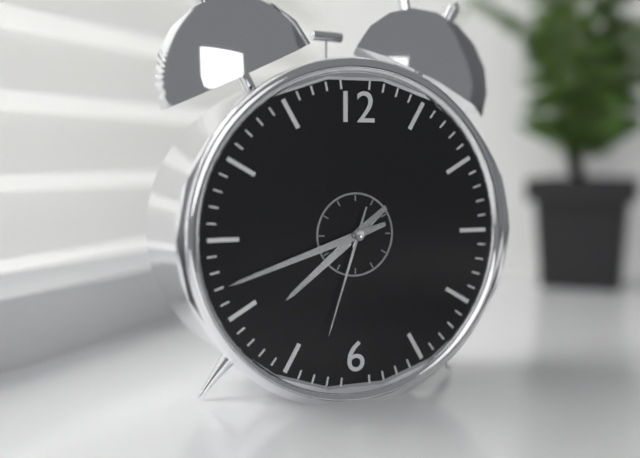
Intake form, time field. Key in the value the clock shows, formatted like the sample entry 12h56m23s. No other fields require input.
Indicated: 7h42m33s
